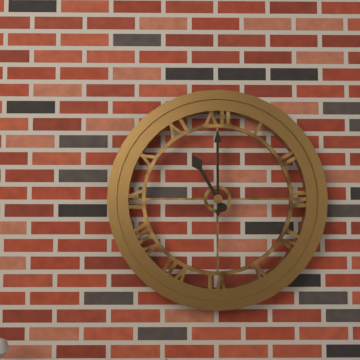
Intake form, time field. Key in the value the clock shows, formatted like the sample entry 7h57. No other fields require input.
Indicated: 11h00
